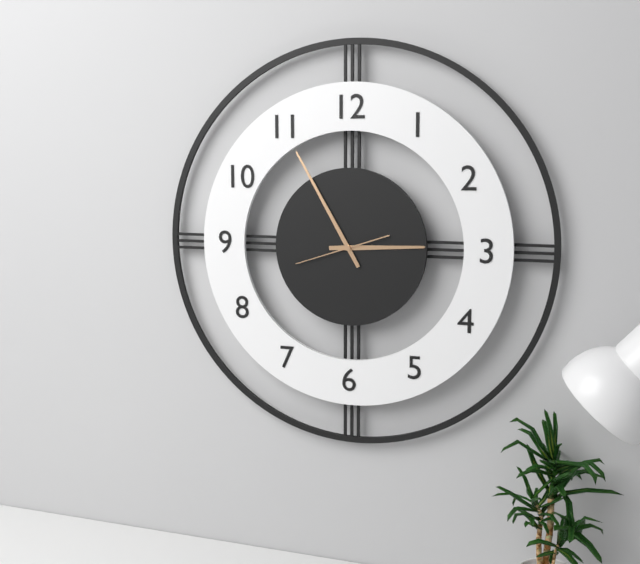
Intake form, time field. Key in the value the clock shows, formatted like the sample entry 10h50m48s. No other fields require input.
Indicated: 2h55m42s
